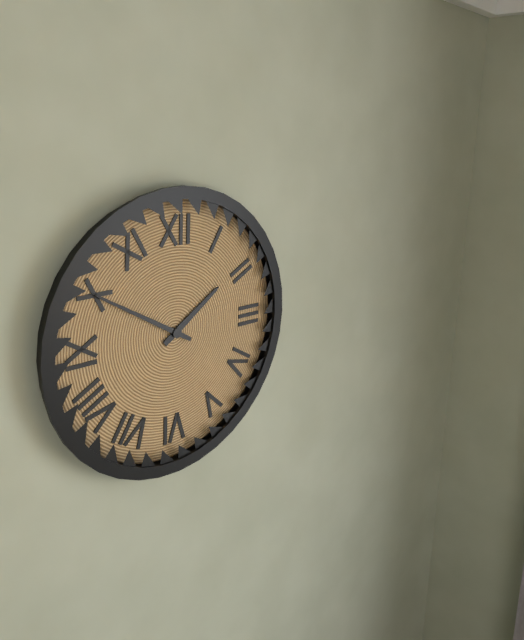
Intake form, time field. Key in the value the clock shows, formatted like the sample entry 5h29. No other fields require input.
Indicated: 1h50
